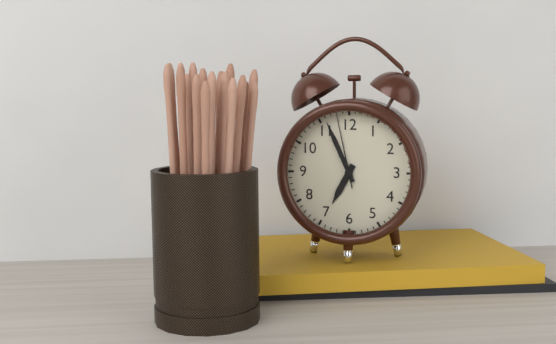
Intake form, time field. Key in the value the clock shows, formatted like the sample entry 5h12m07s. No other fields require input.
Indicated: 6h56m58s
